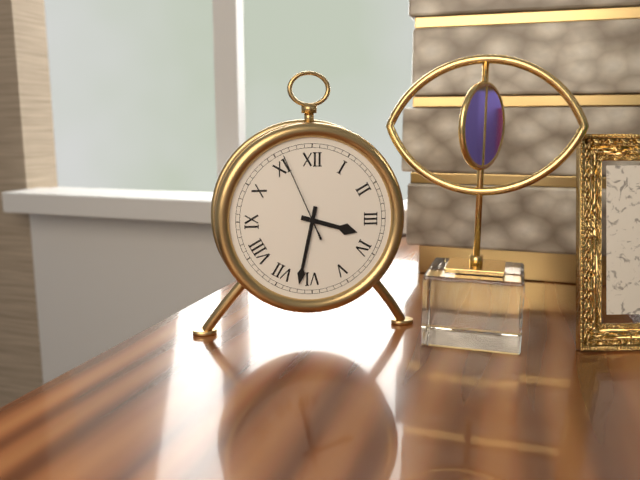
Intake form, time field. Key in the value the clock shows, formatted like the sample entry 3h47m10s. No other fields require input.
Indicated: 3h32m56s
